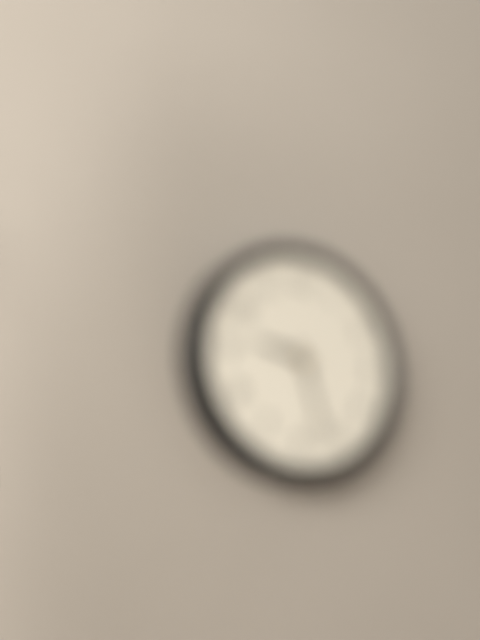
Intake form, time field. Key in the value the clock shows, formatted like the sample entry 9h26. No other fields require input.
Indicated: 9h27
